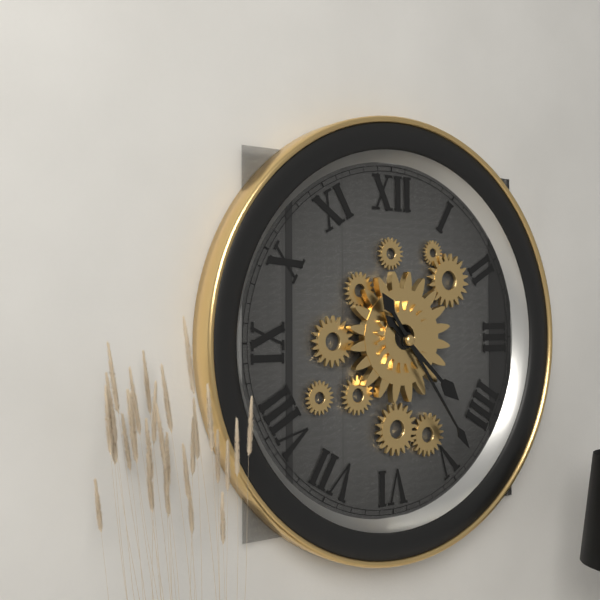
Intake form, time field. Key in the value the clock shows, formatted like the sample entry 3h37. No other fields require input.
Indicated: 4h24
